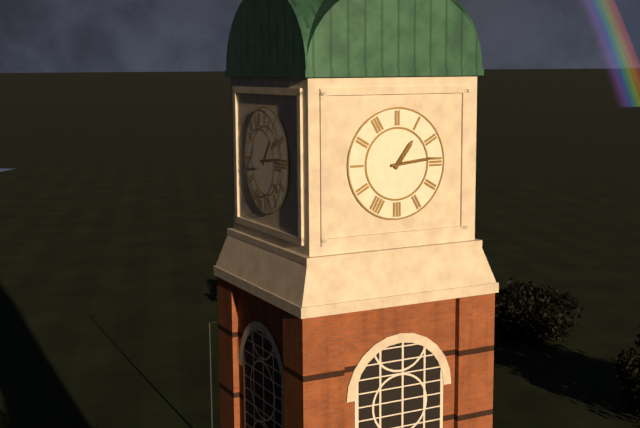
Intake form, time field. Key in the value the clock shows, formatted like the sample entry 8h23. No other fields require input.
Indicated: 1h14
